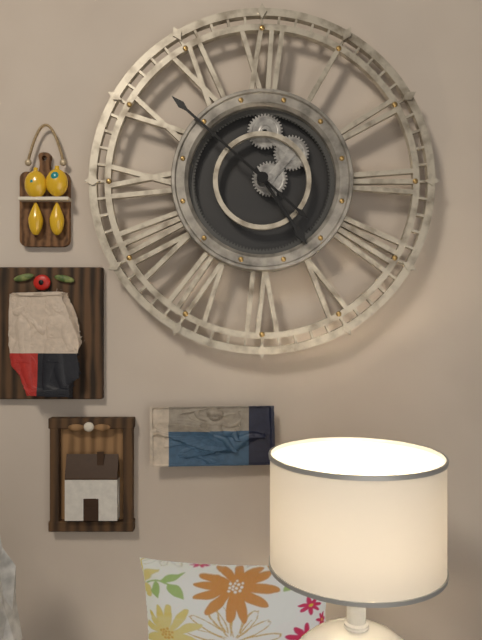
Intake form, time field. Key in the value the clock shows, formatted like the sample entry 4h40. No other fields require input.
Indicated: 4h52
